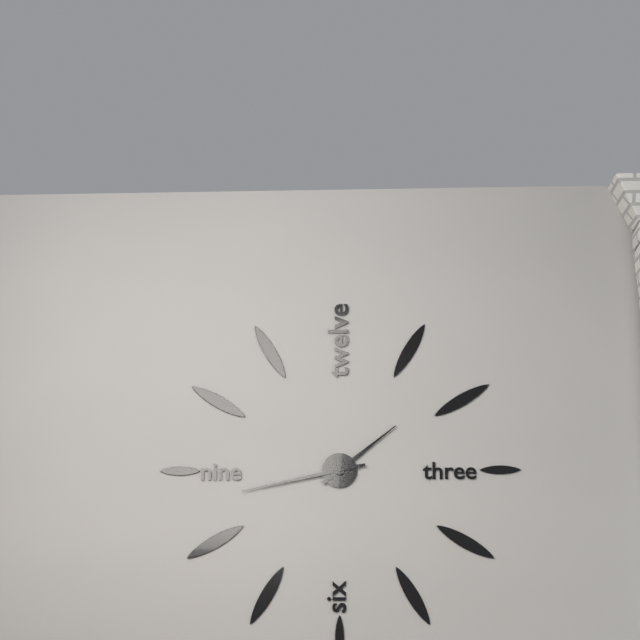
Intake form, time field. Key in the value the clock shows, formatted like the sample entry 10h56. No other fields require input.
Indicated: 1h43
